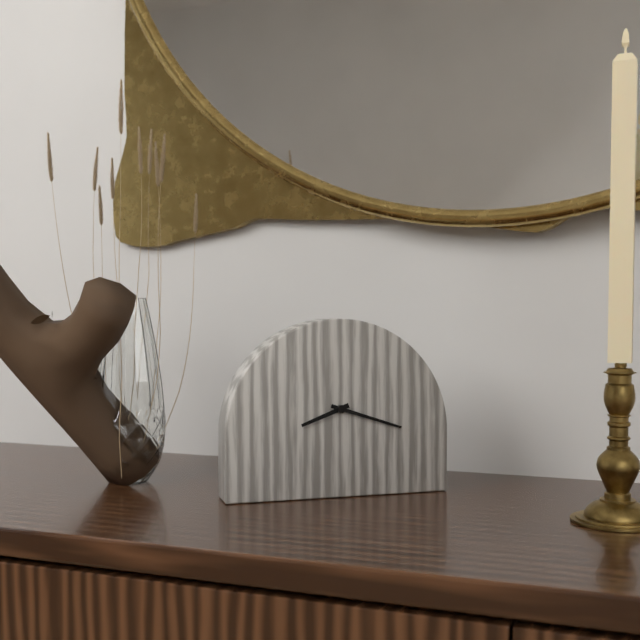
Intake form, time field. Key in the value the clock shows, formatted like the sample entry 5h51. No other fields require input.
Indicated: 8h18
